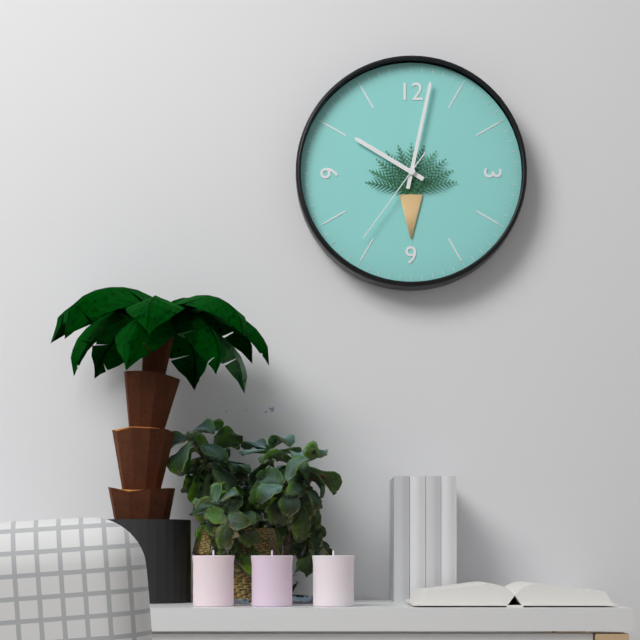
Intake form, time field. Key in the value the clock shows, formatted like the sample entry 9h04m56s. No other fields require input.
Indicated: 10h02m36s
